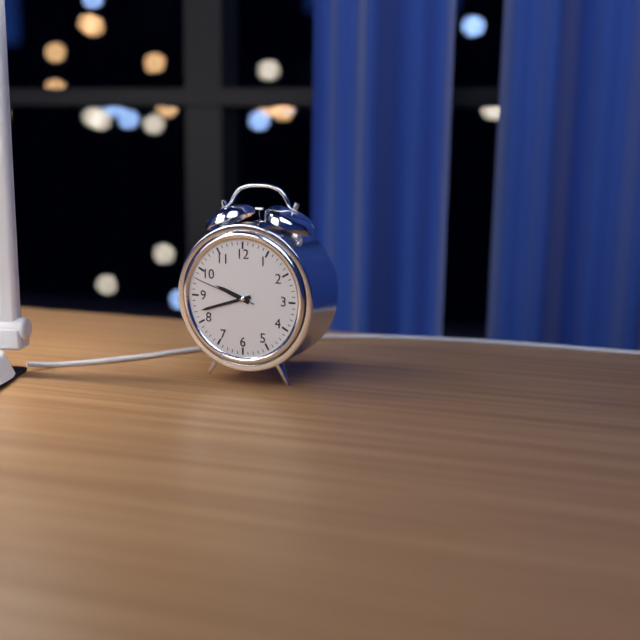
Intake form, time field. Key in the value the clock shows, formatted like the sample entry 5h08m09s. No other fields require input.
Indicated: 9h42m48s
